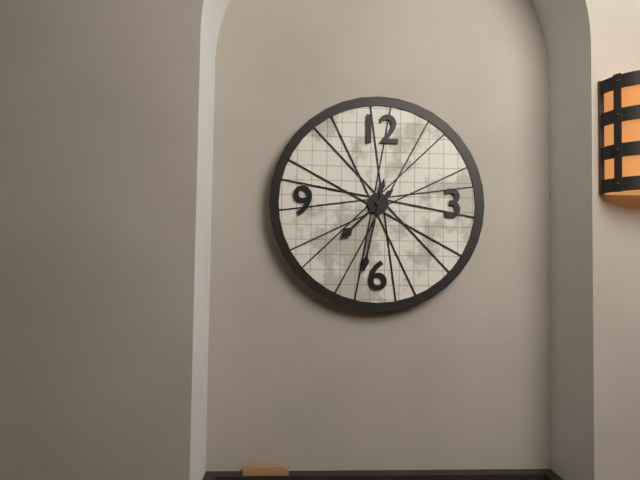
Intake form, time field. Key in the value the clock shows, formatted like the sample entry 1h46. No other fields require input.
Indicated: 7h32
